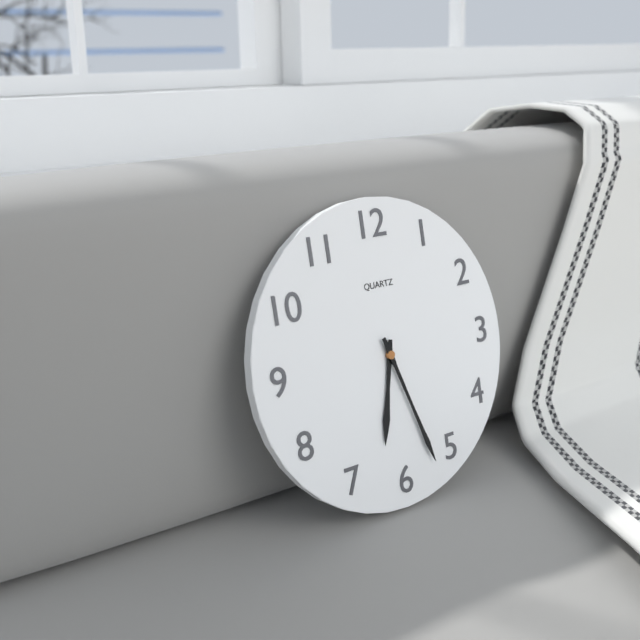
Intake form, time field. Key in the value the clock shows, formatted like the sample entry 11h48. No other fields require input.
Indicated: 6h27
